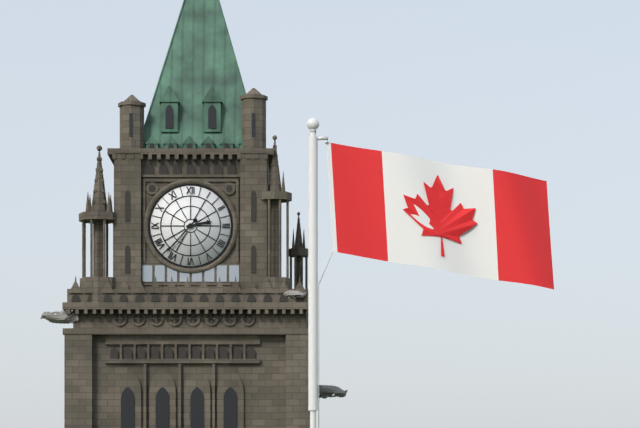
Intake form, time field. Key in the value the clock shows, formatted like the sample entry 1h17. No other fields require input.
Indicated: 2h37
